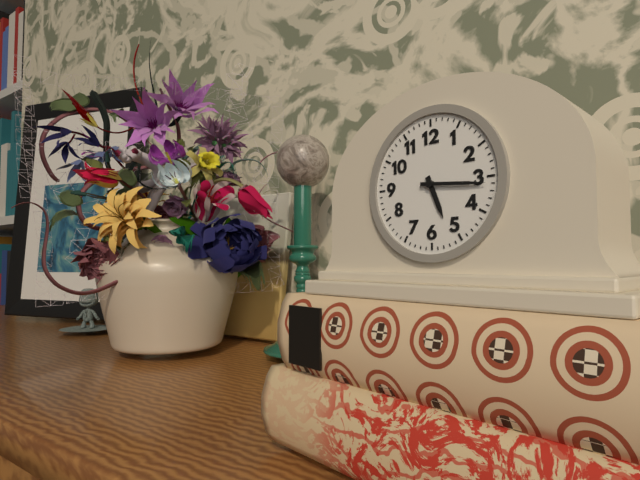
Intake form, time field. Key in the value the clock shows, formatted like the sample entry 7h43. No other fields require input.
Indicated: 5h16
